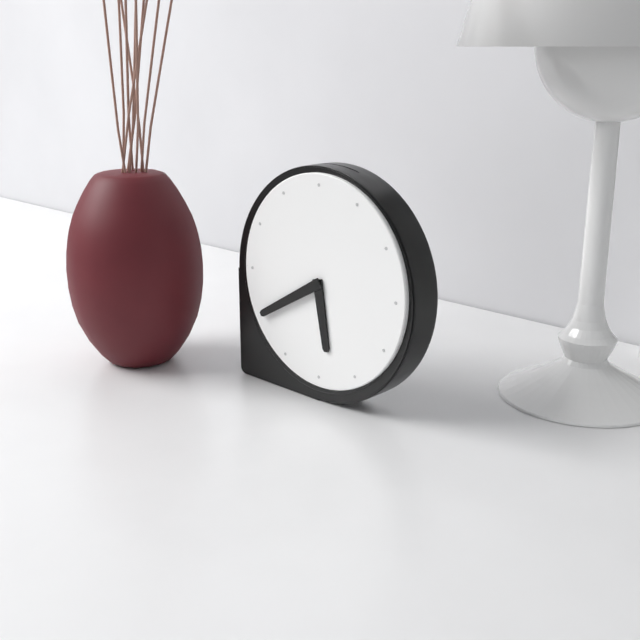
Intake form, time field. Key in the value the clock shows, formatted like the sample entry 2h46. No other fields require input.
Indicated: 5h40
